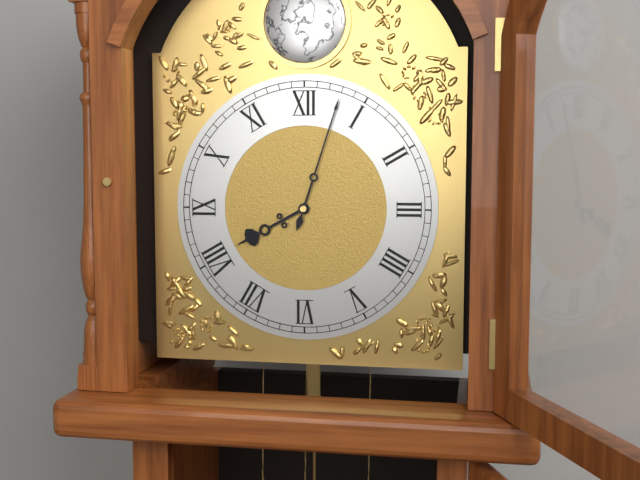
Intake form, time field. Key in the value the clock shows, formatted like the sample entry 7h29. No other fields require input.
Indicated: 8h03
